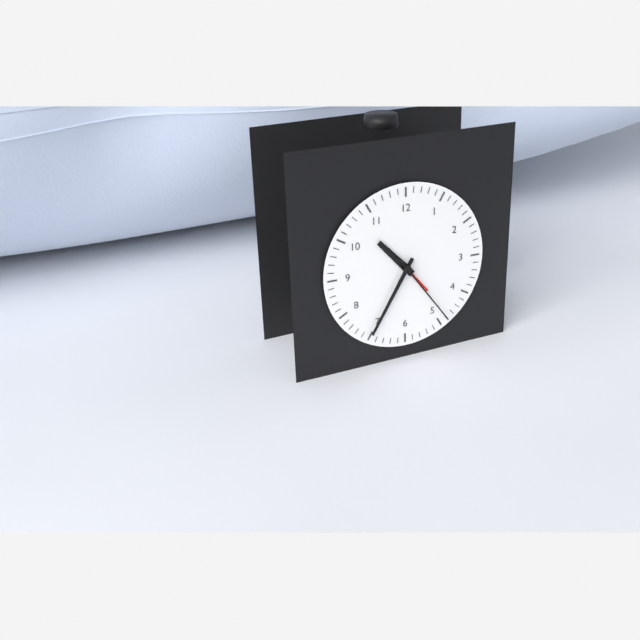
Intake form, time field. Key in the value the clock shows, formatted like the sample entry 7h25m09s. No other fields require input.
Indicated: 10h35m24s
